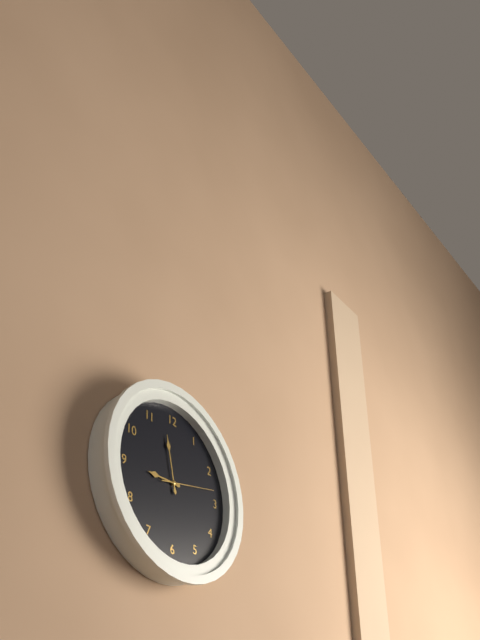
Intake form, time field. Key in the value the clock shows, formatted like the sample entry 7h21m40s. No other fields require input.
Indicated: 8h58m13s
